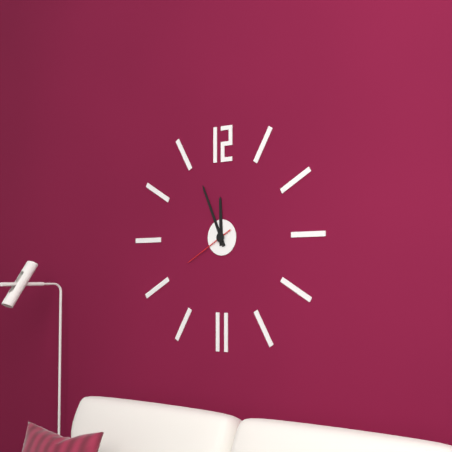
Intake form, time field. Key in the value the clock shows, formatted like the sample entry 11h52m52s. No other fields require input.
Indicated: 11h56m40s
